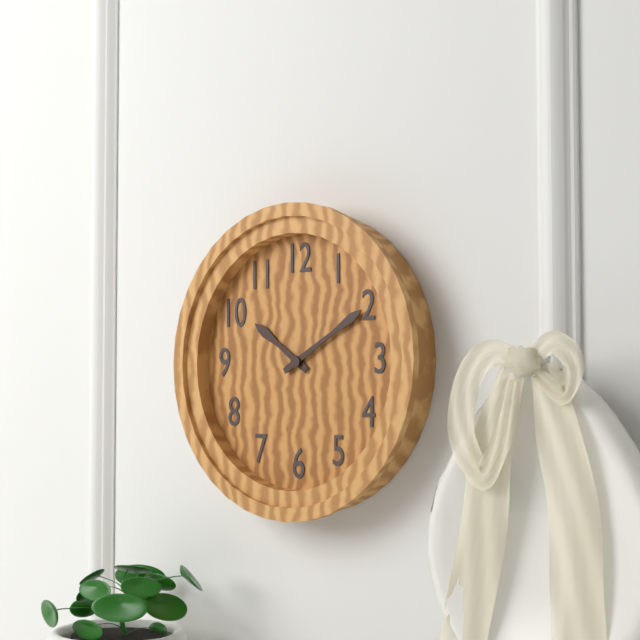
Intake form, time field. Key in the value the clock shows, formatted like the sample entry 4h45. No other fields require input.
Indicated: 10h10
